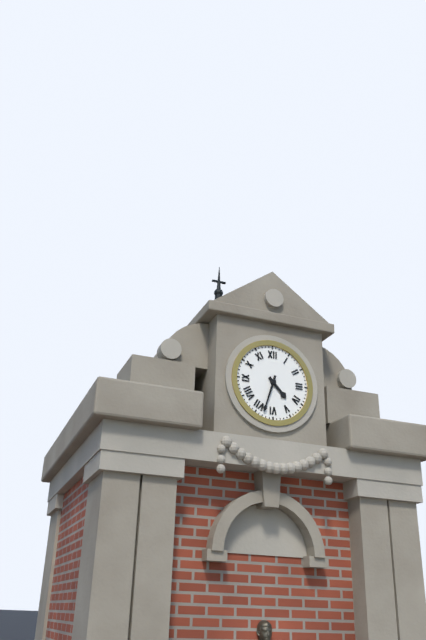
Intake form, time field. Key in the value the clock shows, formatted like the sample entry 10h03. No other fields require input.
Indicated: 4h33
